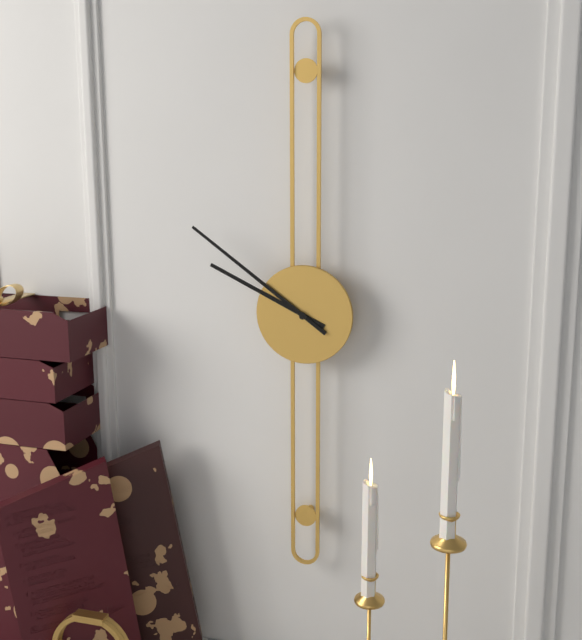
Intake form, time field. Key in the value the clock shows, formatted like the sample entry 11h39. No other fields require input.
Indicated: 9h51
